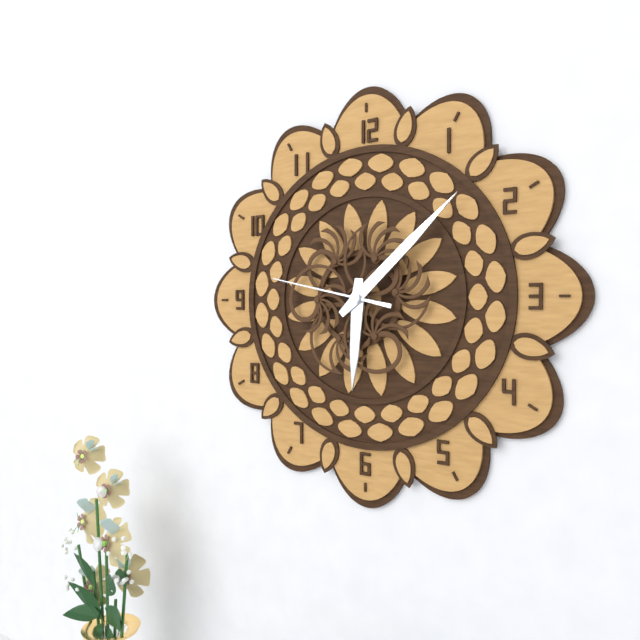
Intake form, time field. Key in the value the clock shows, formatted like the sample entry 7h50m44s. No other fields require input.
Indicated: 6h08m47s
